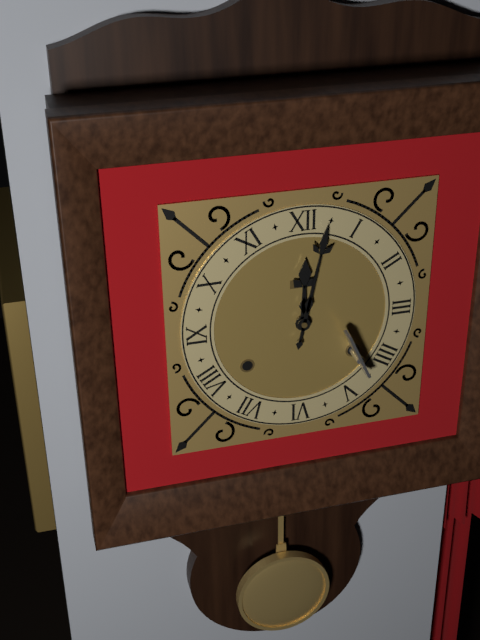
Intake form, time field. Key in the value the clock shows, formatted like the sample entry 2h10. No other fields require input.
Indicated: 12h02
